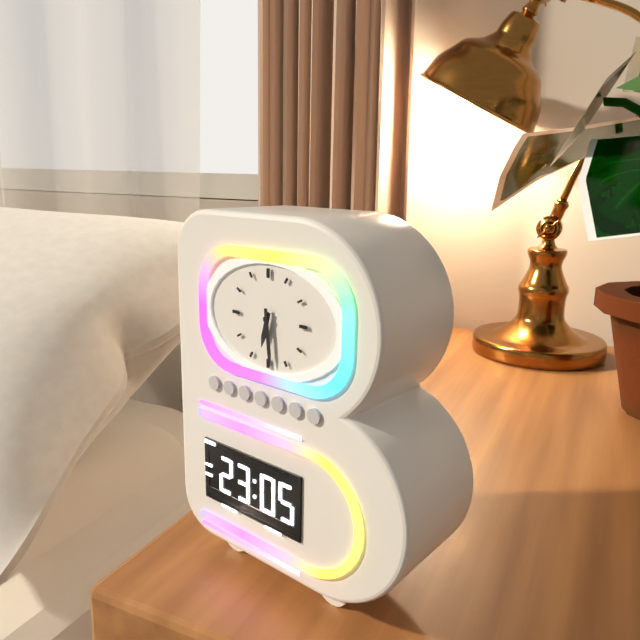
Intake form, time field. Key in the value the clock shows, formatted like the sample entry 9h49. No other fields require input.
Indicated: 6h29
